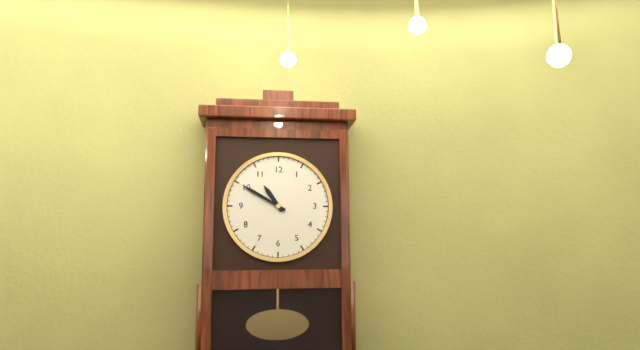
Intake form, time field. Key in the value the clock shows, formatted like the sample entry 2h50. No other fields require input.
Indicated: 10h50
